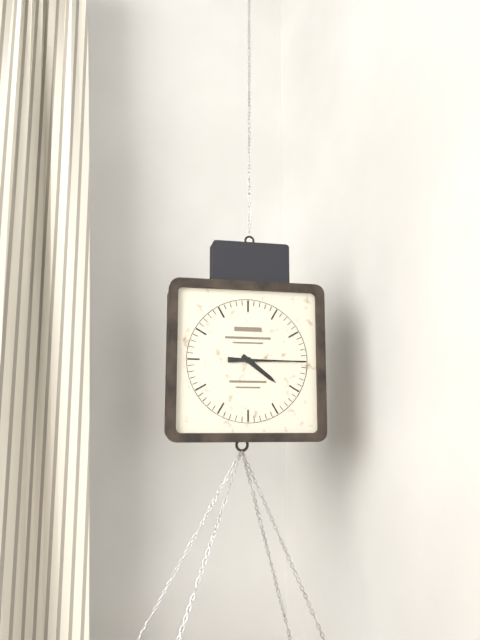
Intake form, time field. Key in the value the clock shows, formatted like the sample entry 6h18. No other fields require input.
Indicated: 4h15
